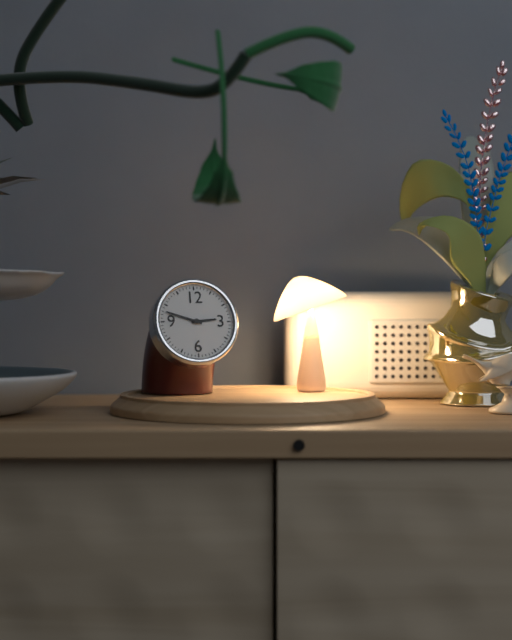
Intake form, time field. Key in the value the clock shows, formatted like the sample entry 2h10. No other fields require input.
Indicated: 2h48
